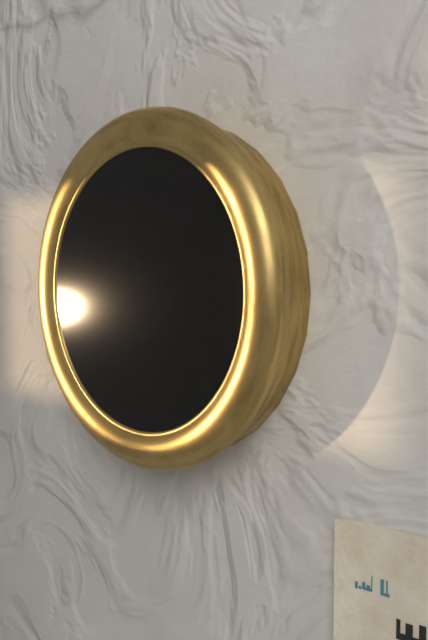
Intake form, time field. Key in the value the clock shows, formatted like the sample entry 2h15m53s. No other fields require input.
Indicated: 5h28m57s
